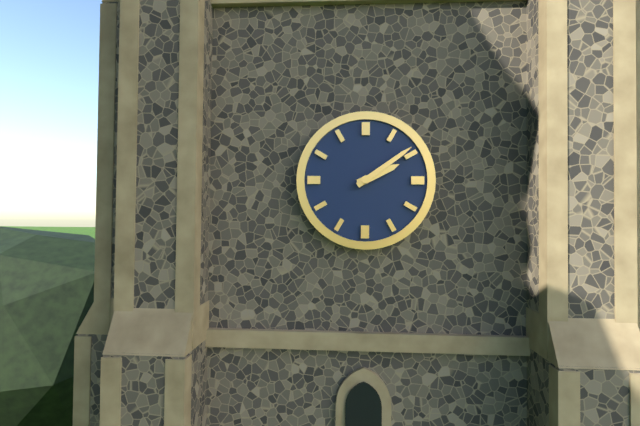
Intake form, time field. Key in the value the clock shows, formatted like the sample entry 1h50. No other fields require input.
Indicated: 2h09
